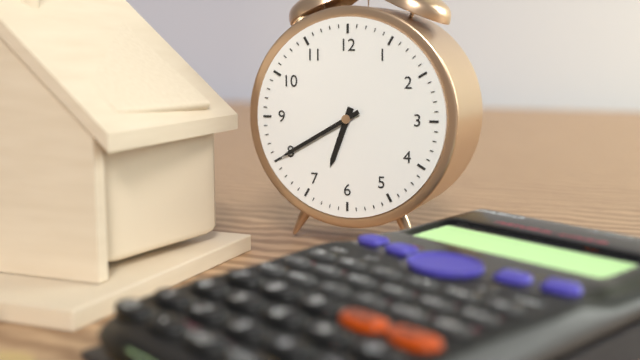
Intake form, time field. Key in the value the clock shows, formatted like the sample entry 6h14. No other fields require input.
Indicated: 6h40
